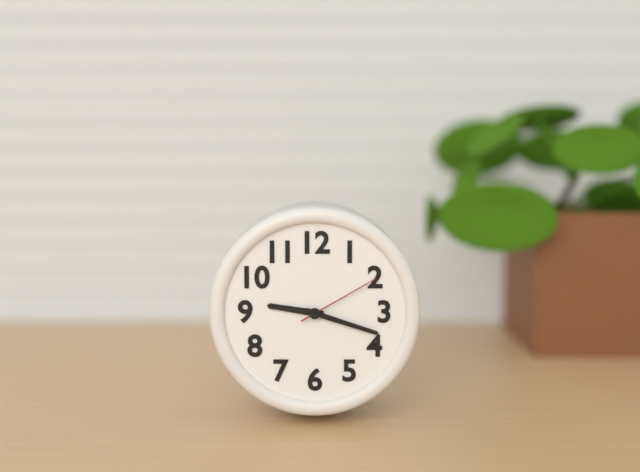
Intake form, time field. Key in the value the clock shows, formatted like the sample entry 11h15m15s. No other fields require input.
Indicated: 9h18m10s
